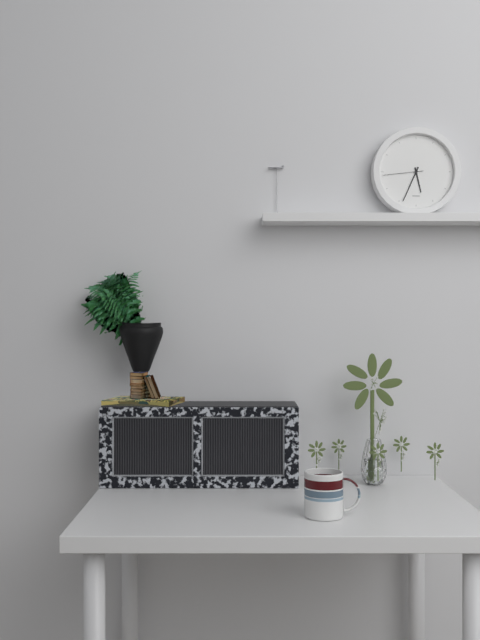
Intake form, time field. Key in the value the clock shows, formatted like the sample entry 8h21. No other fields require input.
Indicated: 5h34
